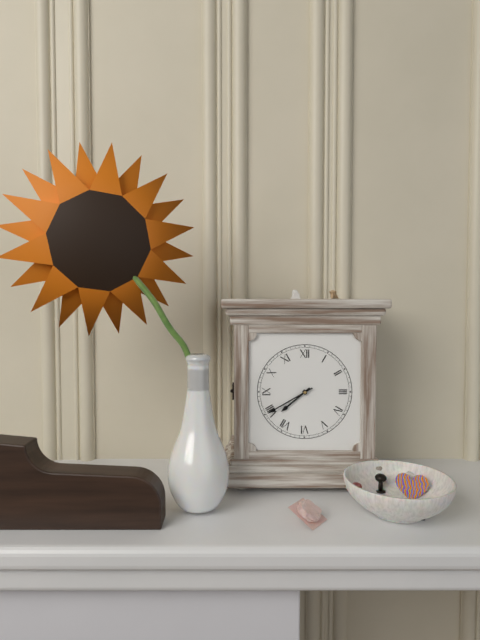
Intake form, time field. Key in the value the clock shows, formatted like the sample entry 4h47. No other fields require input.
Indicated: 7h40
